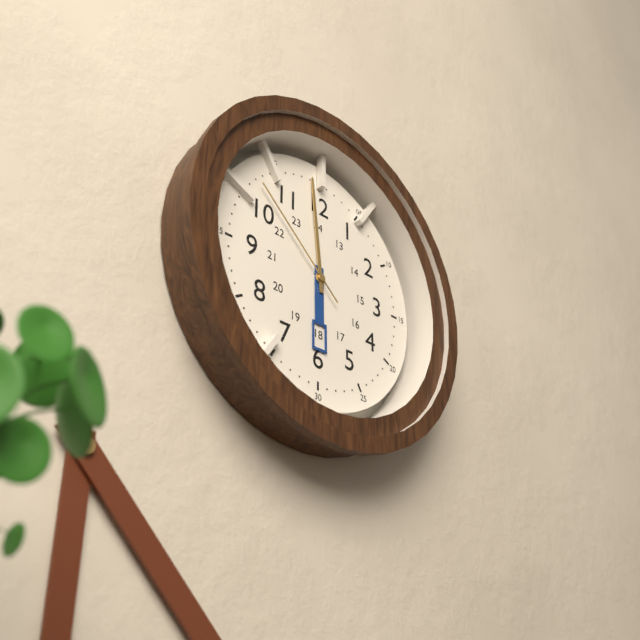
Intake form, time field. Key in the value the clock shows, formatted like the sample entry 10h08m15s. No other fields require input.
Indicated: 5h59m52s
